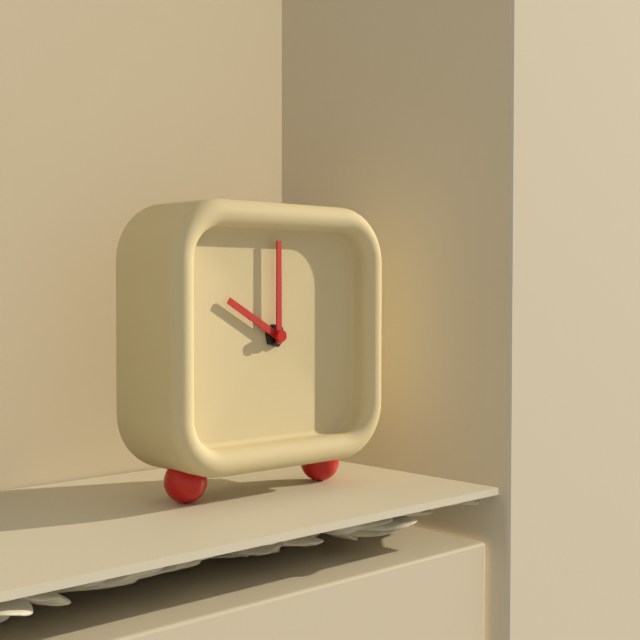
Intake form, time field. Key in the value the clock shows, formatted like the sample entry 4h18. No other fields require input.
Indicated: 10h00
